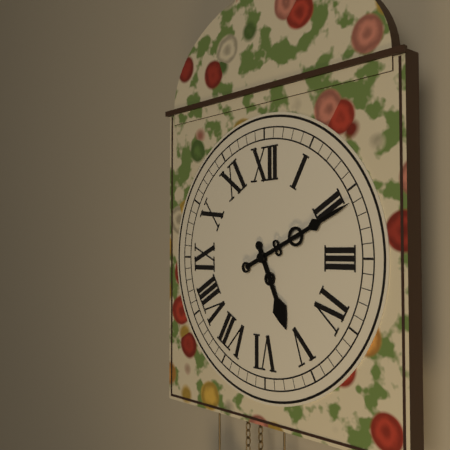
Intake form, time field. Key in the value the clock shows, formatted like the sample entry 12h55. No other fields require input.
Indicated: 5h11
